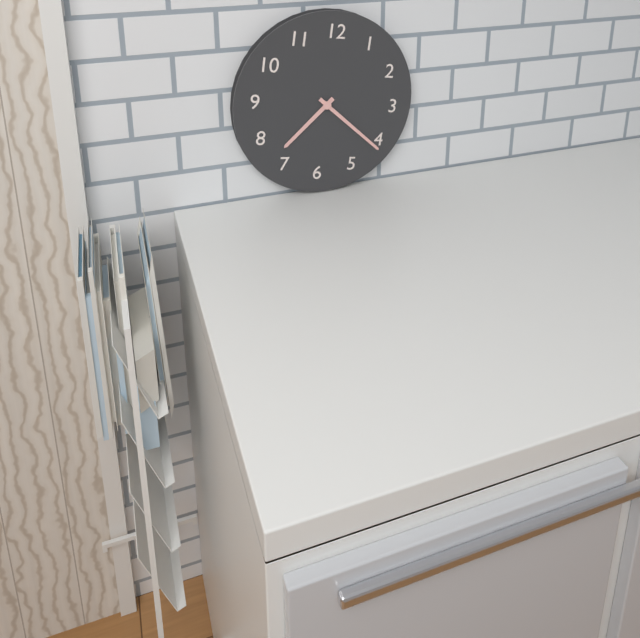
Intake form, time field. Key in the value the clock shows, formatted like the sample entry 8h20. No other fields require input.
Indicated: 7h21
